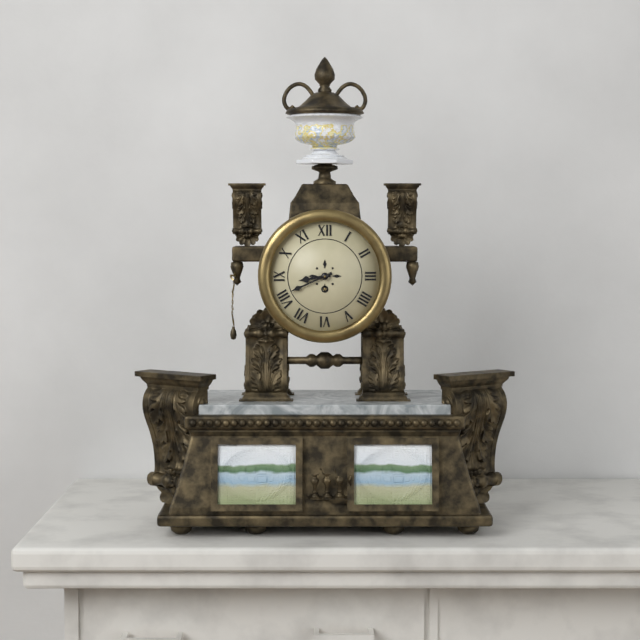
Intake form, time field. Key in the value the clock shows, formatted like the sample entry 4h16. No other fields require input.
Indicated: 8h41
